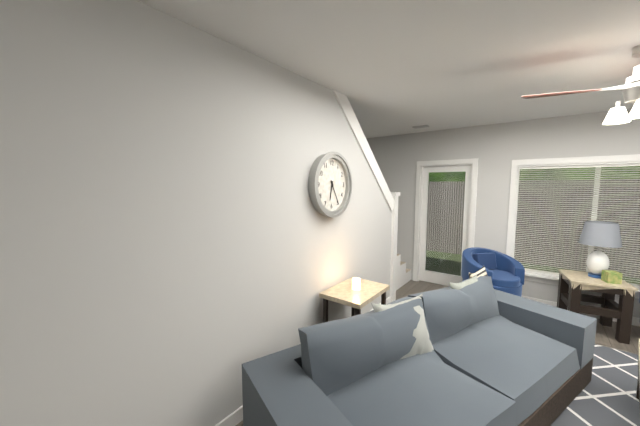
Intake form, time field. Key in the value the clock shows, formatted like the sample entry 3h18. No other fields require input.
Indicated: 6h25
